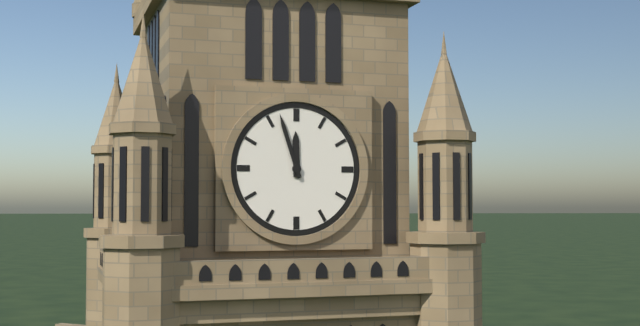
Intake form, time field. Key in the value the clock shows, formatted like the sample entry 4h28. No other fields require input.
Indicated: 11h57
